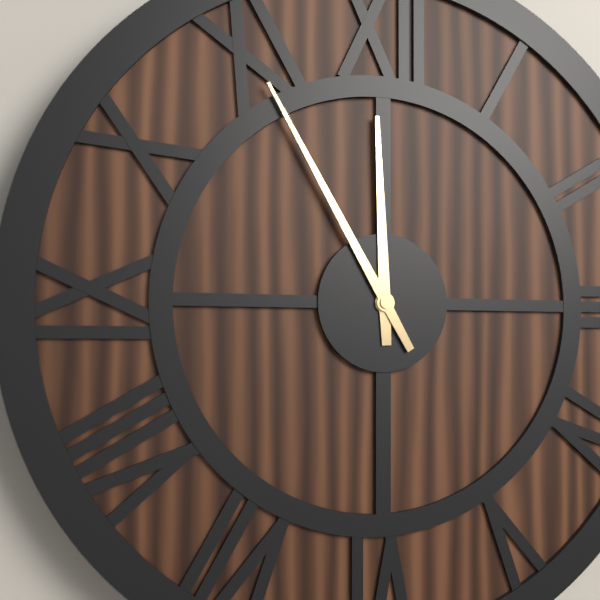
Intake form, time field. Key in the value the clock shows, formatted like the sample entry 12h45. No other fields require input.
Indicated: 11h55
